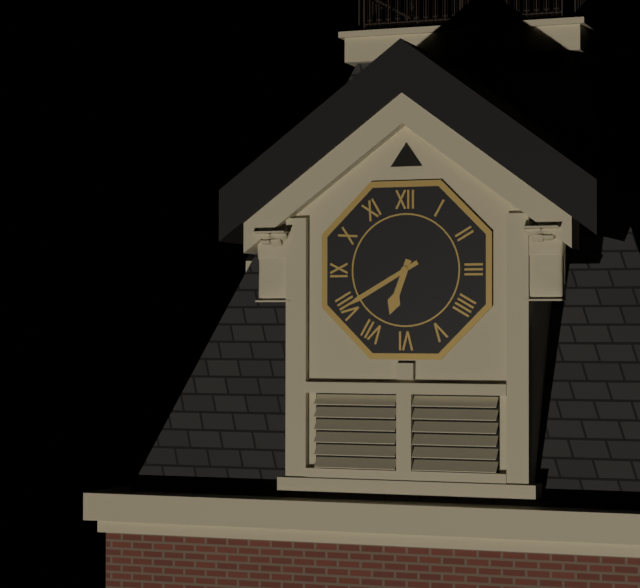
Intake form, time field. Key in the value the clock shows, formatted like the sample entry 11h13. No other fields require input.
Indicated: 6h40
